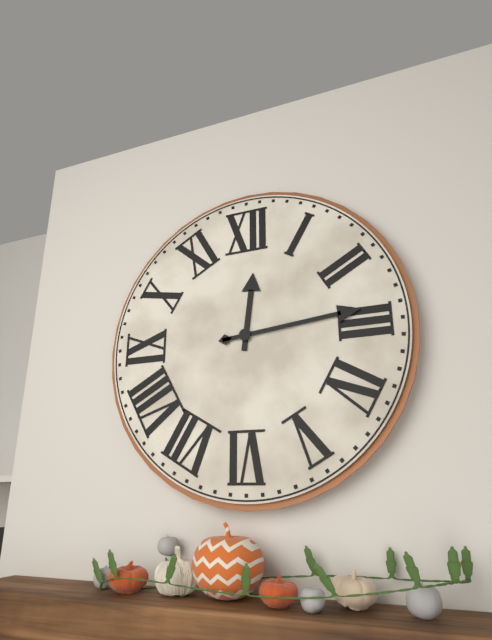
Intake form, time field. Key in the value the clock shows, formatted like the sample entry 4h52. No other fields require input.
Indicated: 12h14
